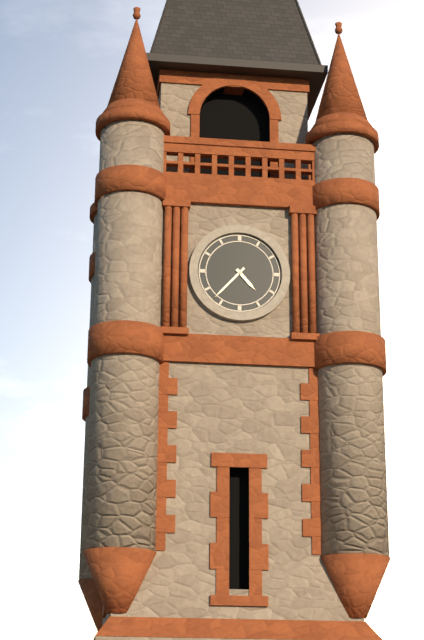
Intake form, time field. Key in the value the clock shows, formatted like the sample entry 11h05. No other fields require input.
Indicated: 4h37
